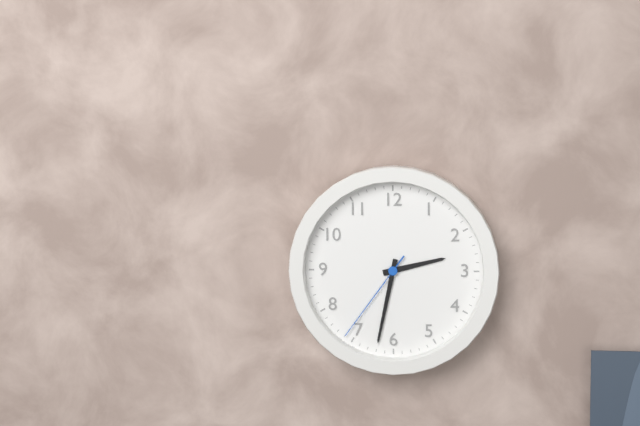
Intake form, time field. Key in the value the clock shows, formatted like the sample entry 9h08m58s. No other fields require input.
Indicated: 2h32m36s
